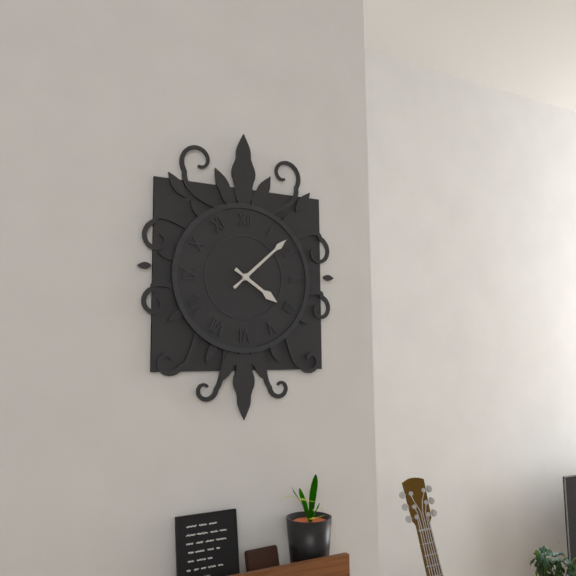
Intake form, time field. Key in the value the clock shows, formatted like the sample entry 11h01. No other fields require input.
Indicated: 4h08
